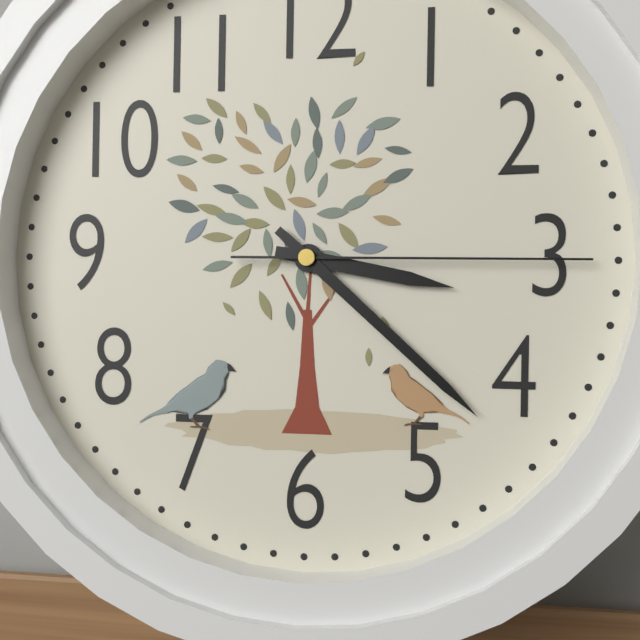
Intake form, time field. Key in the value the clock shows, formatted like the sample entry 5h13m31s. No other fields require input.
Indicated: 3h22m15s
